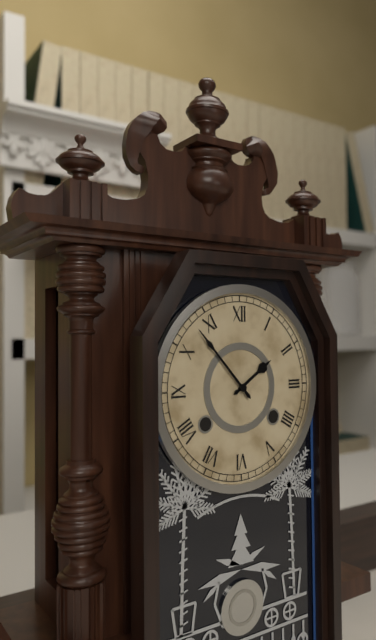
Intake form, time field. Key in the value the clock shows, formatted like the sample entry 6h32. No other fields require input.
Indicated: 1h53
